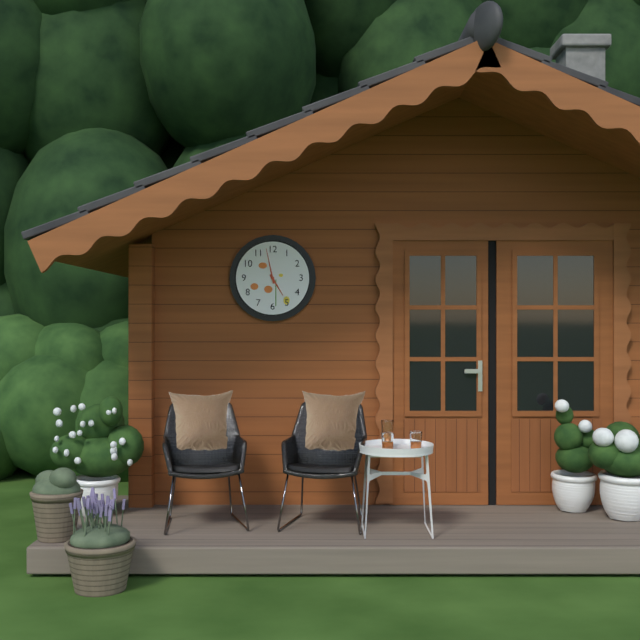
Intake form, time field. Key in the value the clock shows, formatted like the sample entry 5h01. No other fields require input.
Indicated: 4h58
